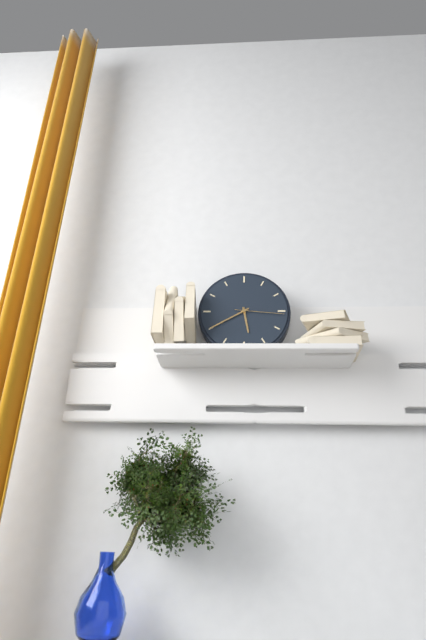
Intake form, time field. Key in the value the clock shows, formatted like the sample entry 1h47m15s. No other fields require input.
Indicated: 5h40m16s
